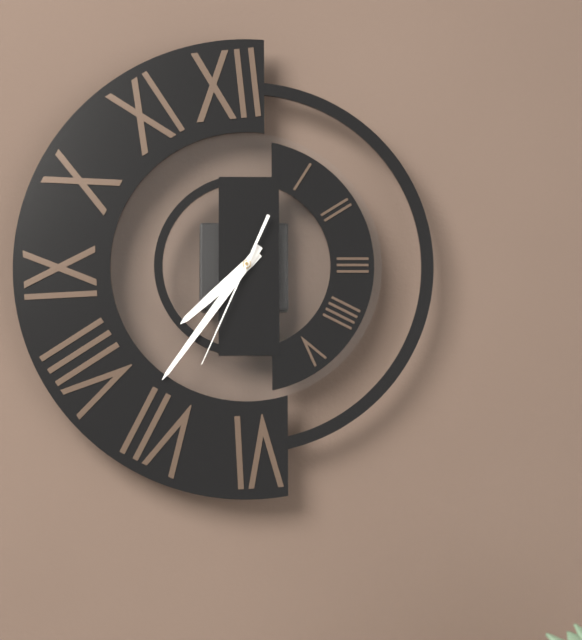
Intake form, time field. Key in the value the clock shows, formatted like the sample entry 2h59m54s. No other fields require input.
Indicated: 7h36m34s
